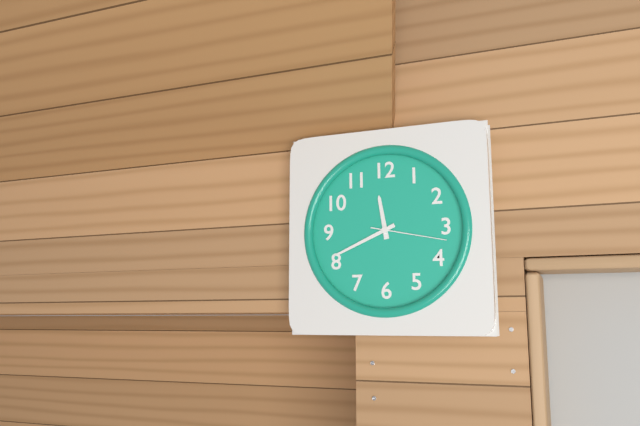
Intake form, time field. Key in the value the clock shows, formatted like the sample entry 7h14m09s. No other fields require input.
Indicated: 11h41m17s
